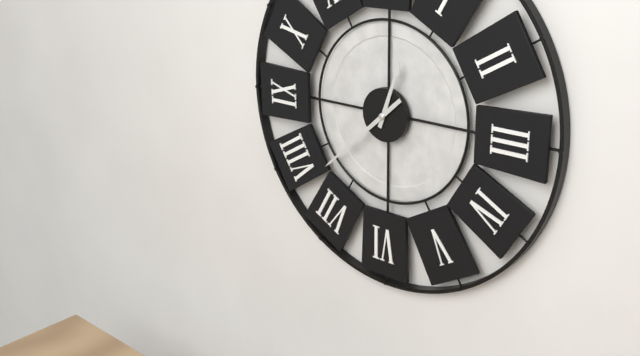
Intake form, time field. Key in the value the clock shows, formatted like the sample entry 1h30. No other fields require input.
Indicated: 12h38
